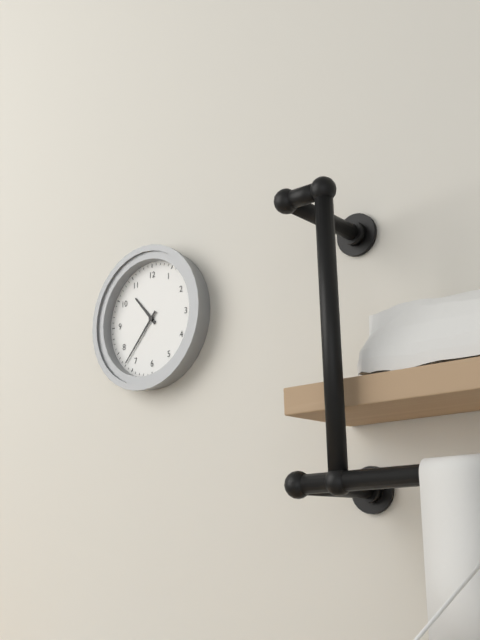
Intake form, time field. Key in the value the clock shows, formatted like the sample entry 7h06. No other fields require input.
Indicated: 10h37
